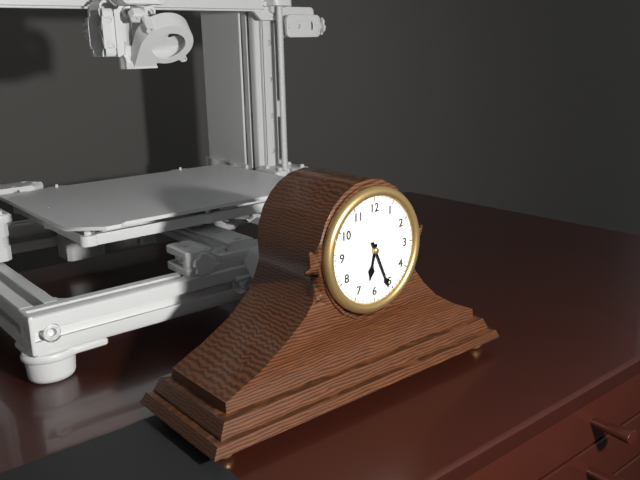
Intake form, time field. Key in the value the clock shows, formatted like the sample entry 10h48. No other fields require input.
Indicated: 6h26
